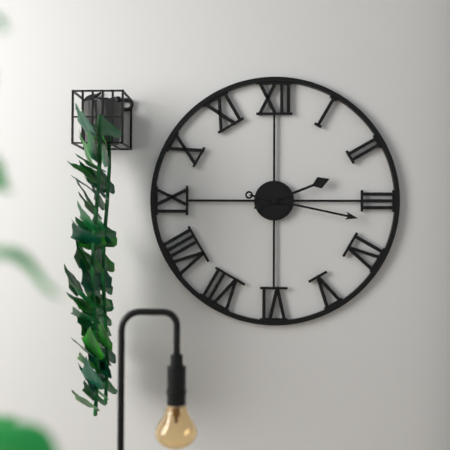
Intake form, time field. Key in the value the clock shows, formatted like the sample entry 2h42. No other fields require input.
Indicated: 2h17
